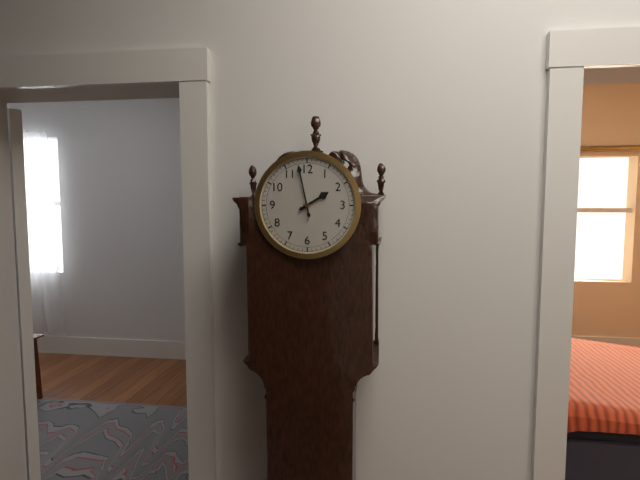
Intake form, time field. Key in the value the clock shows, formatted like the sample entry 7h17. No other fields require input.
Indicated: 1h58
